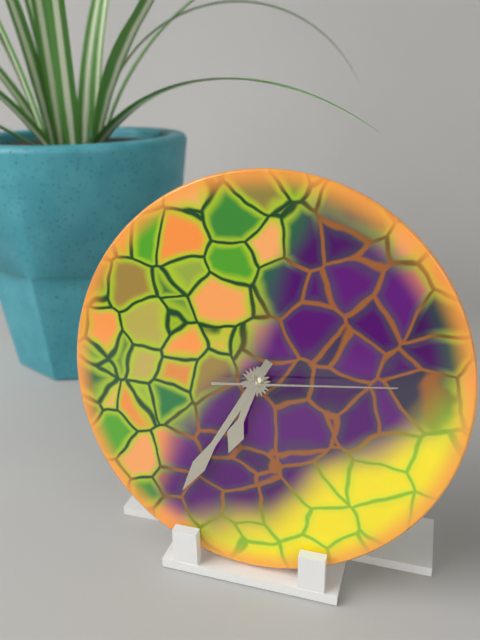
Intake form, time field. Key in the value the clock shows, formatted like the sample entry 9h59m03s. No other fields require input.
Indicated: 6h35m14s
